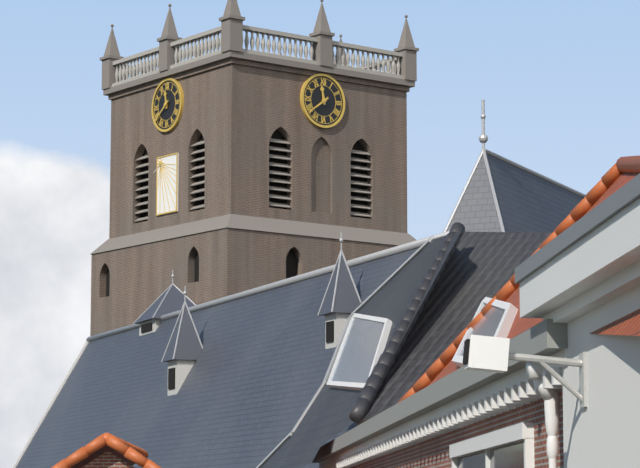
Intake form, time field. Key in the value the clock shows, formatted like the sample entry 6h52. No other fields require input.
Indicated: 11h39
